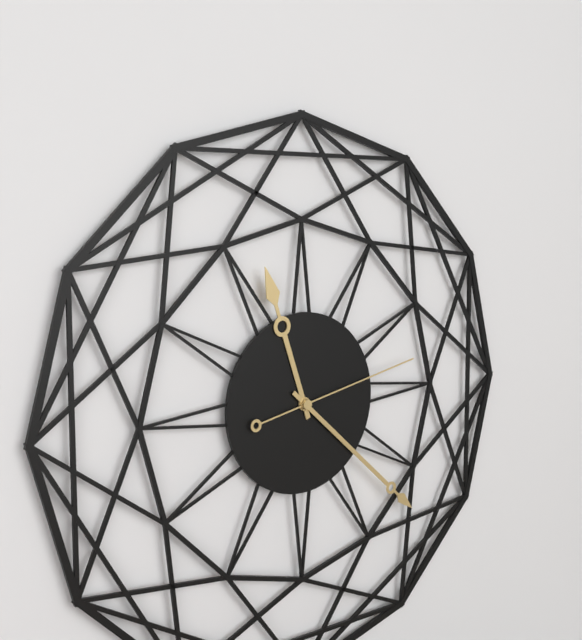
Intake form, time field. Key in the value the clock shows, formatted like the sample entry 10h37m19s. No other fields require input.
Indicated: 11h22m13s
